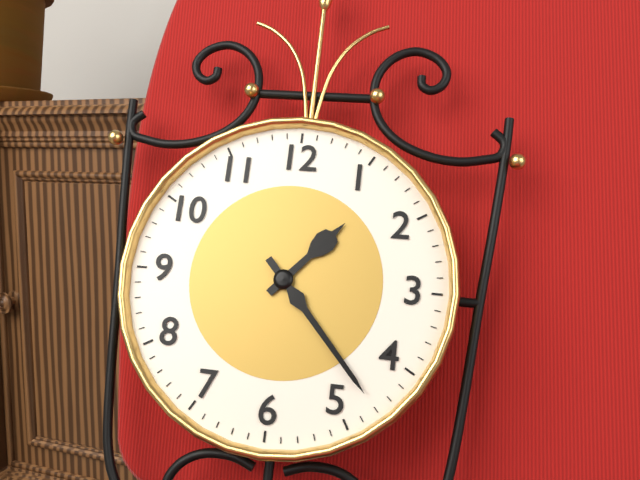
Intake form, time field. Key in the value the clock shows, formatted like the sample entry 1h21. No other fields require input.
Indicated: 1h23
